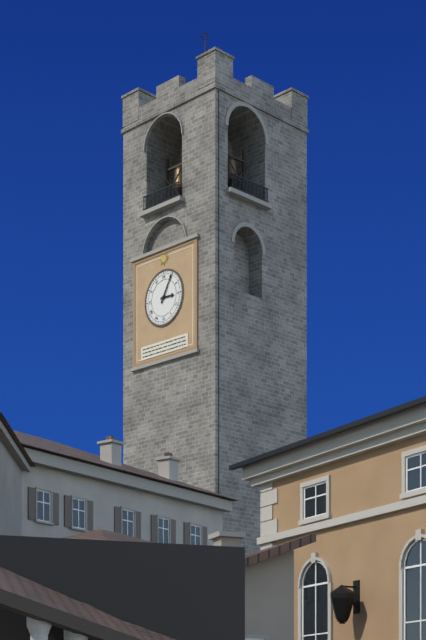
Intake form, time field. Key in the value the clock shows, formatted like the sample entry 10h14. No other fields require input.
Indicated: 3h05
